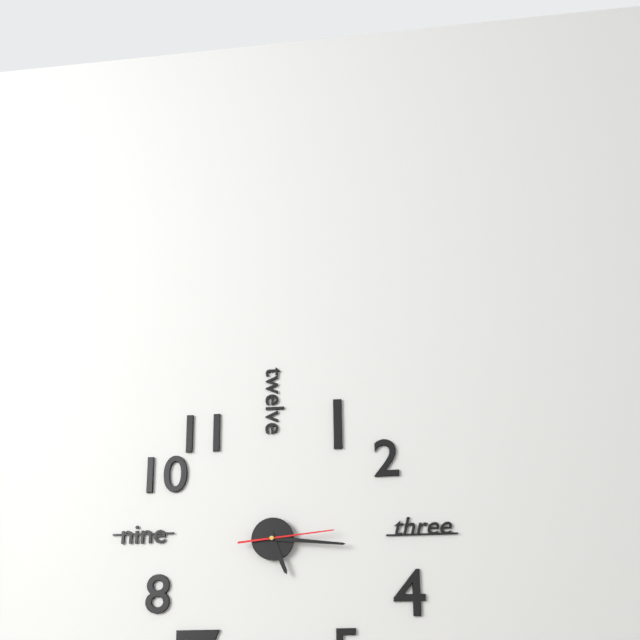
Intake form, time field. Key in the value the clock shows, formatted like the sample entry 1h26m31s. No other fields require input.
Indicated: 5h16m14s
